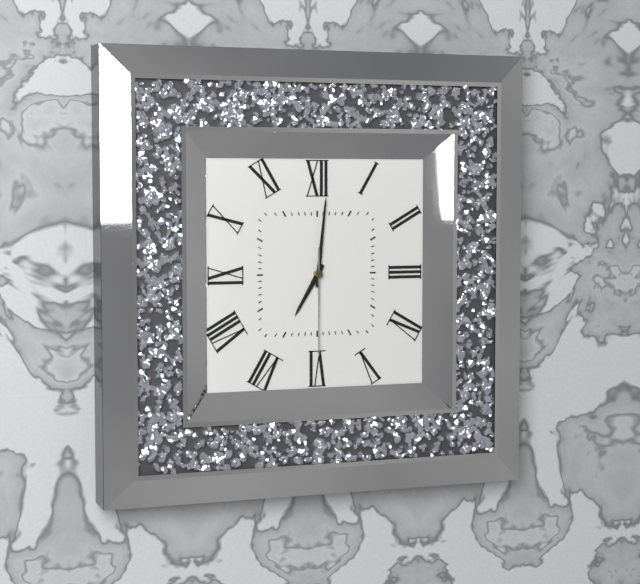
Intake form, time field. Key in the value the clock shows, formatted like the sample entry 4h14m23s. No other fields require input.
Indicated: 7h01m30s
